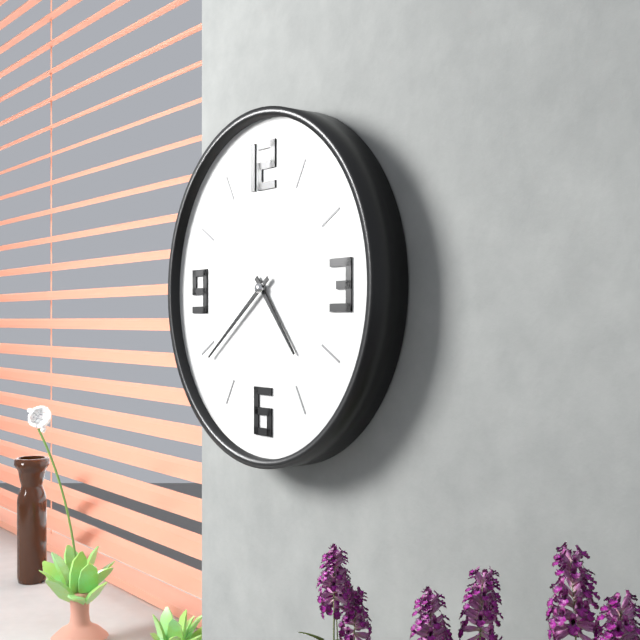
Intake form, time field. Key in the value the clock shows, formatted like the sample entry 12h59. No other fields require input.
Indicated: 4h39
